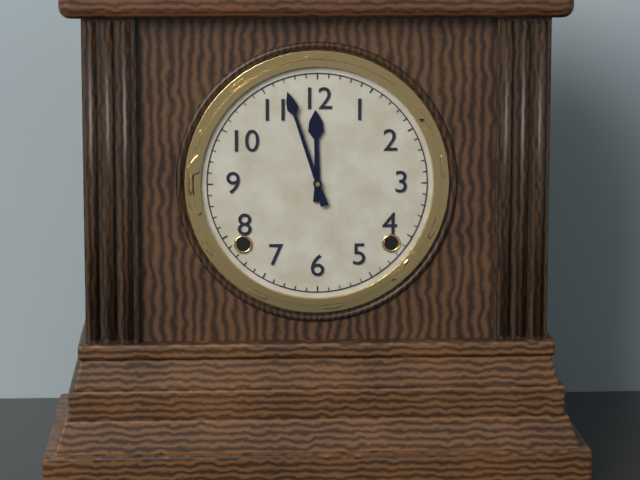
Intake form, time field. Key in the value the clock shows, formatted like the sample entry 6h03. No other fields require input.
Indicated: 11h57
